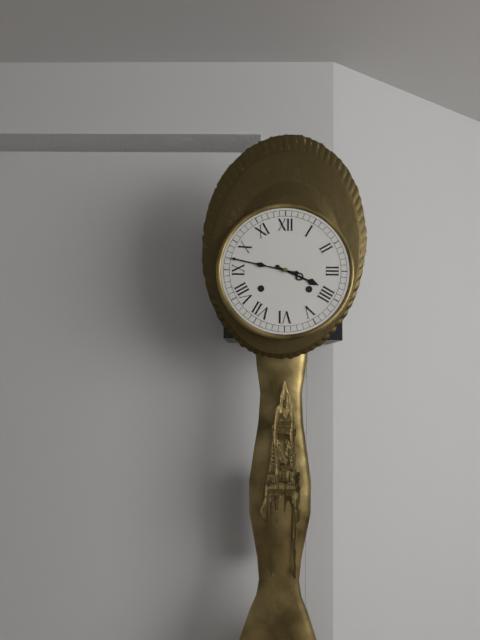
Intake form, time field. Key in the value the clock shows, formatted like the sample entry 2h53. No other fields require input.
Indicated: 3h47
